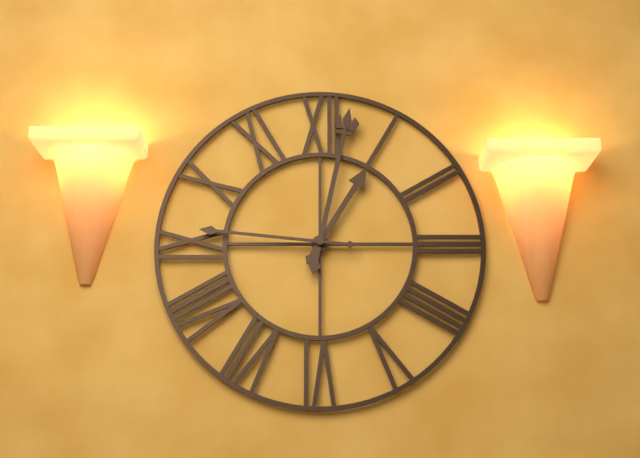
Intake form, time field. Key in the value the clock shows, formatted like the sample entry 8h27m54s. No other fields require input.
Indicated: 1h02m46s
